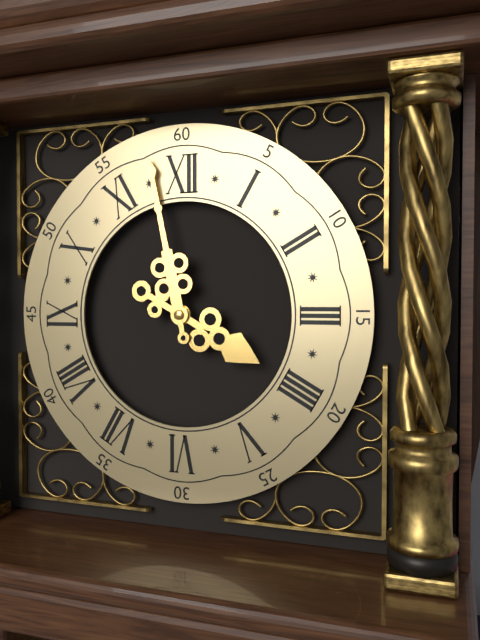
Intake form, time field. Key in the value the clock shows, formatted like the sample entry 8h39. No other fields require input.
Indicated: 3h58
